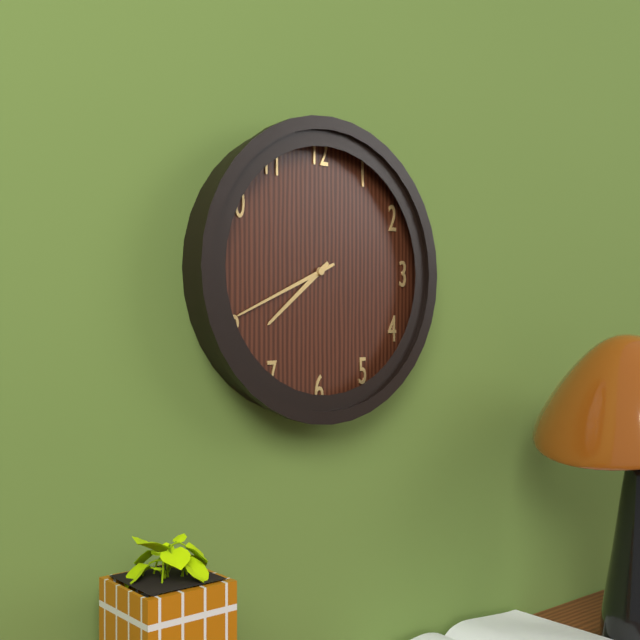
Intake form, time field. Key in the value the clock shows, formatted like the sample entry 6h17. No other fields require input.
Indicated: 7h41
